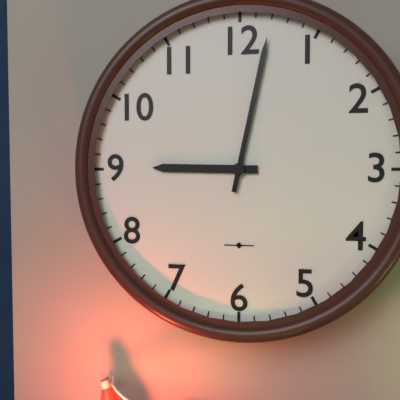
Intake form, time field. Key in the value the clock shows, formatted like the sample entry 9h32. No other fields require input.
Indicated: 9h02
